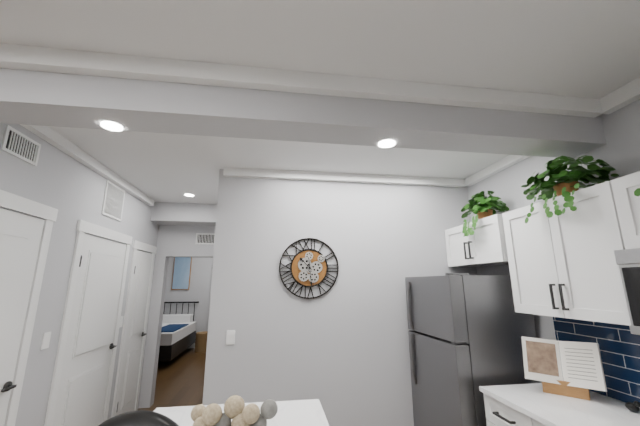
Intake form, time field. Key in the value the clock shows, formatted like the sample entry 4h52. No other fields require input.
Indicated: 10h29
